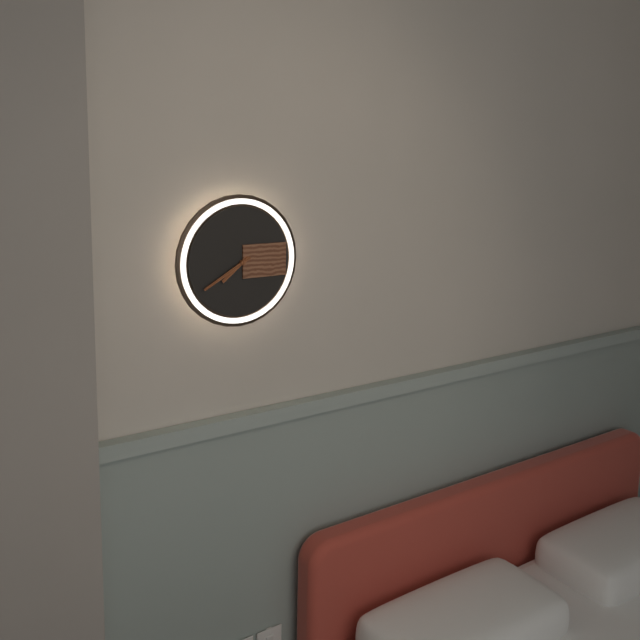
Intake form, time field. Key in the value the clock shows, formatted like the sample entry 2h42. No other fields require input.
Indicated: 7h40
